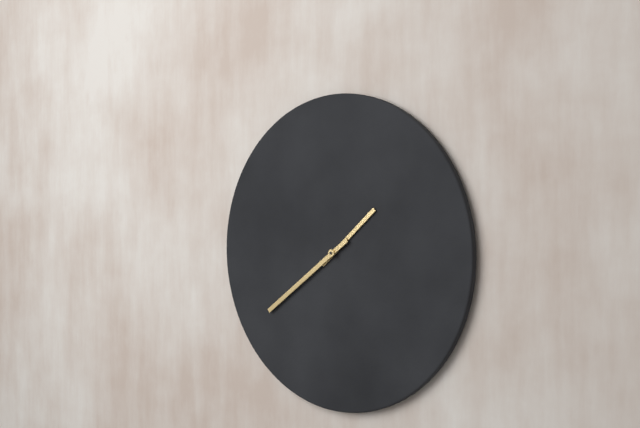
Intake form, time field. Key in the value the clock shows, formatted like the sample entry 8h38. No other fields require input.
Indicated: 1h39
